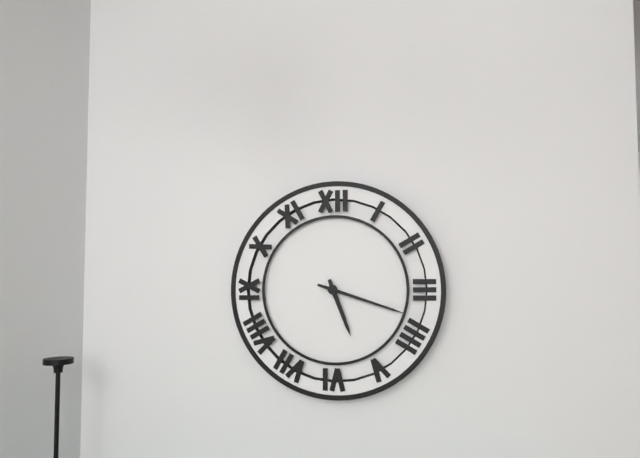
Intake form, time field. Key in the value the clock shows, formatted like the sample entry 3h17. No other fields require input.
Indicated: 5h18
